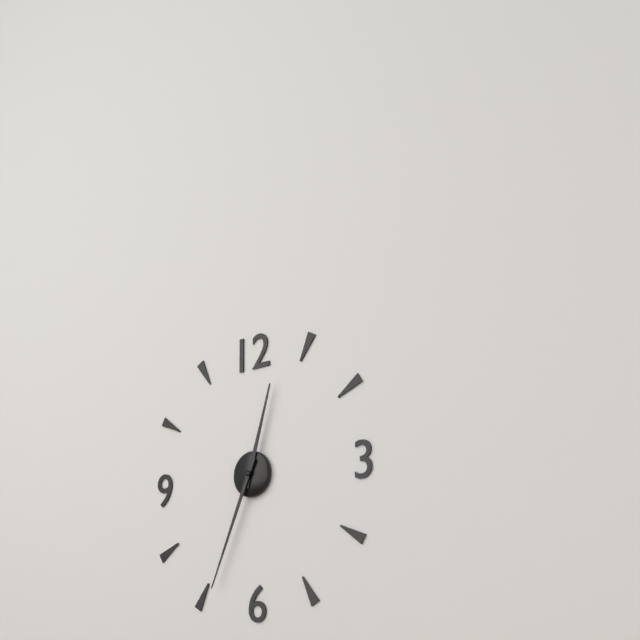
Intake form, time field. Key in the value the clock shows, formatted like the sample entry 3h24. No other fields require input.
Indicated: 12h34
